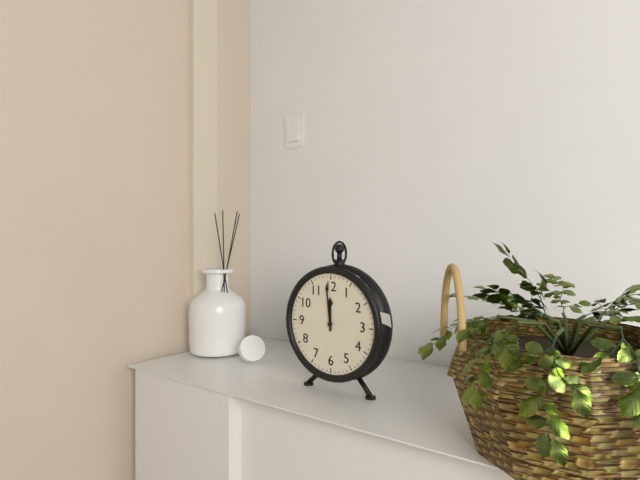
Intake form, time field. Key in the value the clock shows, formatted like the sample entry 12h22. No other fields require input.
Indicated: 11h59
